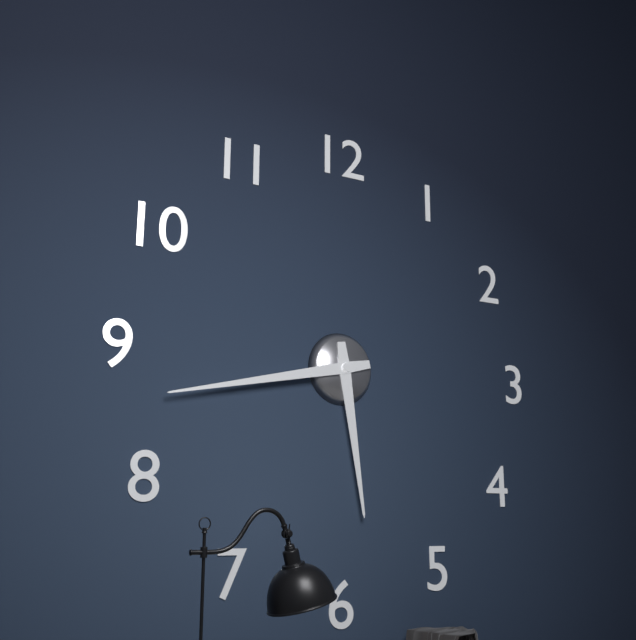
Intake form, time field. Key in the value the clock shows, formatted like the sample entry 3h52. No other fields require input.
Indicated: 5h43
